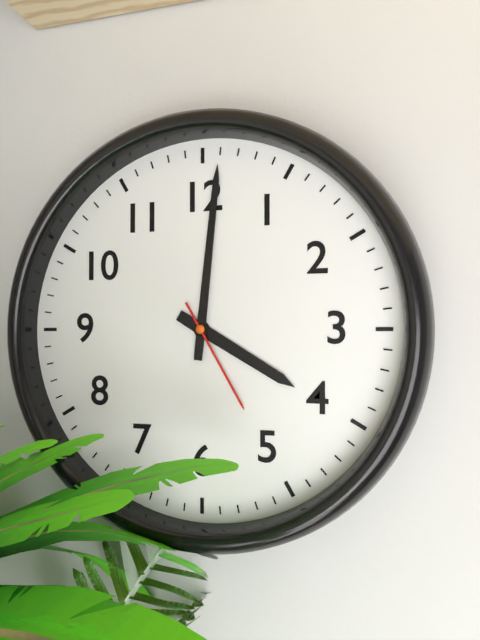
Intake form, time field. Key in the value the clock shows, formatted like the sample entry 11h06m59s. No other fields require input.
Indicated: 4h01m25s
